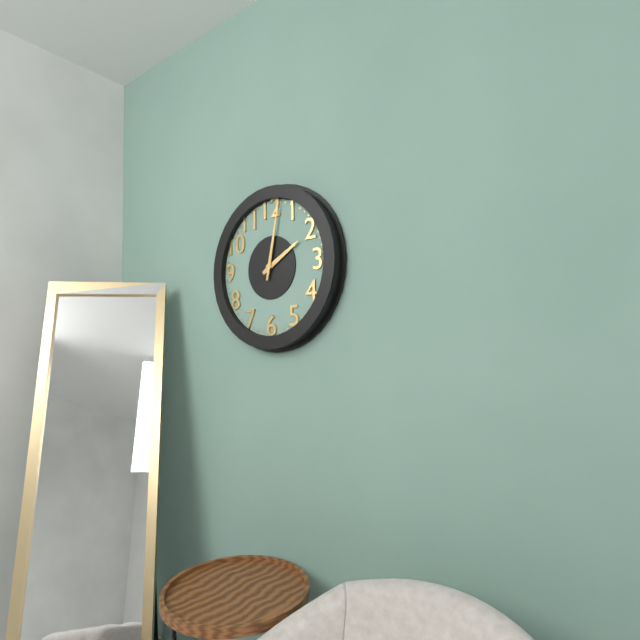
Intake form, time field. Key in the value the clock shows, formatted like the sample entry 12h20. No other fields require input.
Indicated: 2h02
